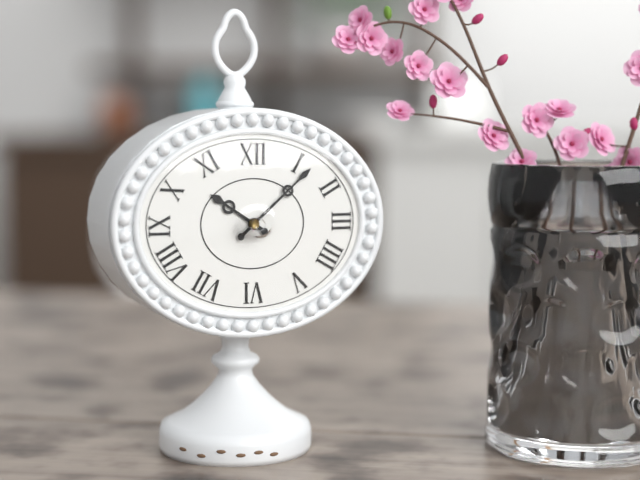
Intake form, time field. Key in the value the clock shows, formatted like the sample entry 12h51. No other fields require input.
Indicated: 10h08
